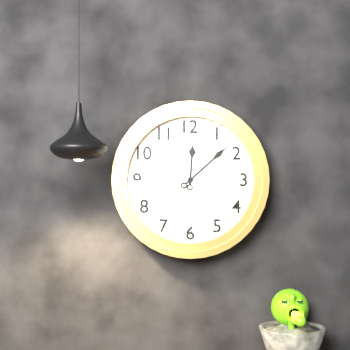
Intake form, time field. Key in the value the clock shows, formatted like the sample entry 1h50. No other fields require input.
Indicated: 12h08
